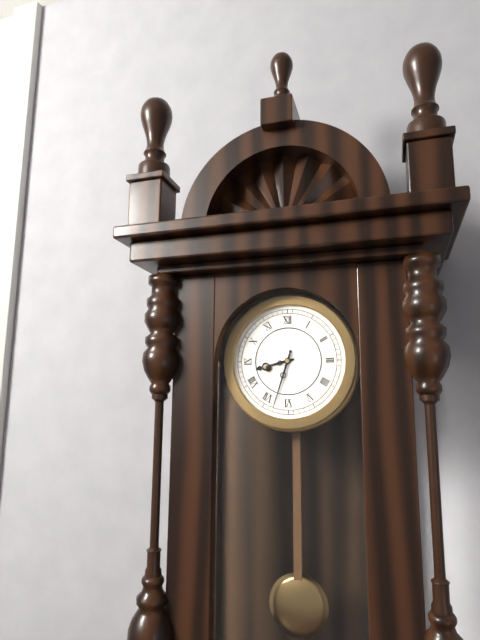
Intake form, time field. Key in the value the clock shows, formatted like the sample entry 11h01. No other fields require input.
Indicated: 8h33
